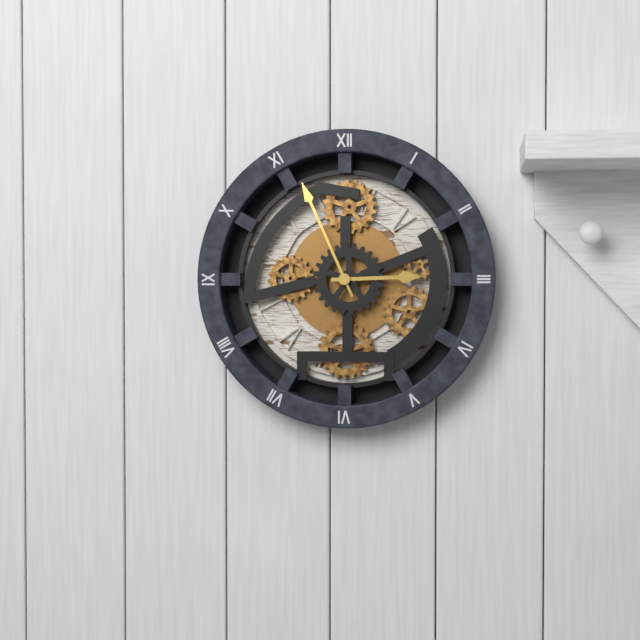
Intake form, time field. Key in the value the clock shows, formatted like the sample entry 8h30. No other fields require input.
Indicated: 2h56
